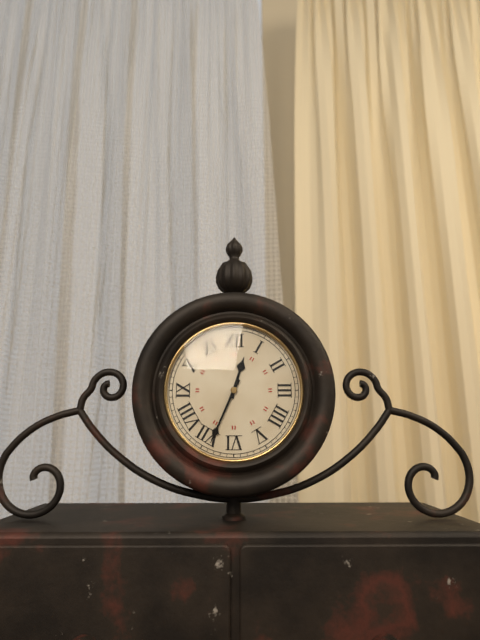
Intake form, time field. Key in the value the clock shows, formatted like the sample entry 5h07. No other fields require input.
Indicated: 12h34
